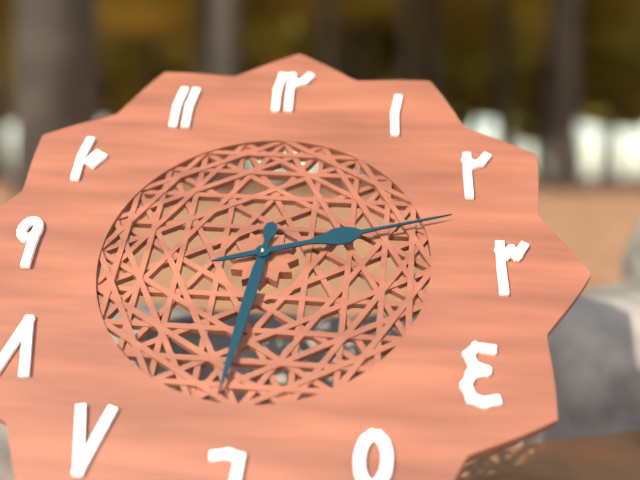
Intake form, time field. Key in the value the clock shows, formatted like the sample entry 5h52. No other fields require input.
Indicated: 6h12
